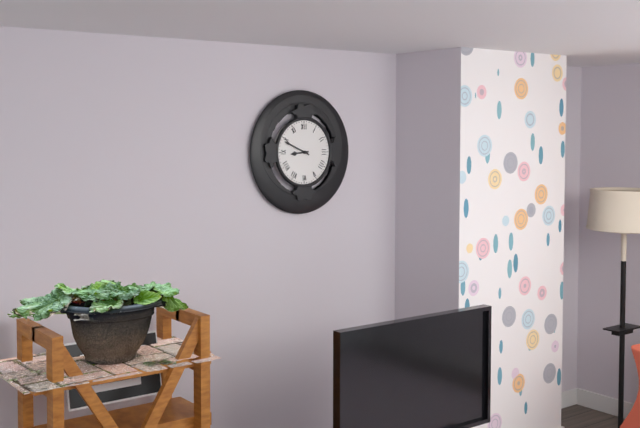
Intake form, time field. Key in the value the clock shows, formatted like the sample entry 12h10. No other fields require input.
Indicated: 8h49
